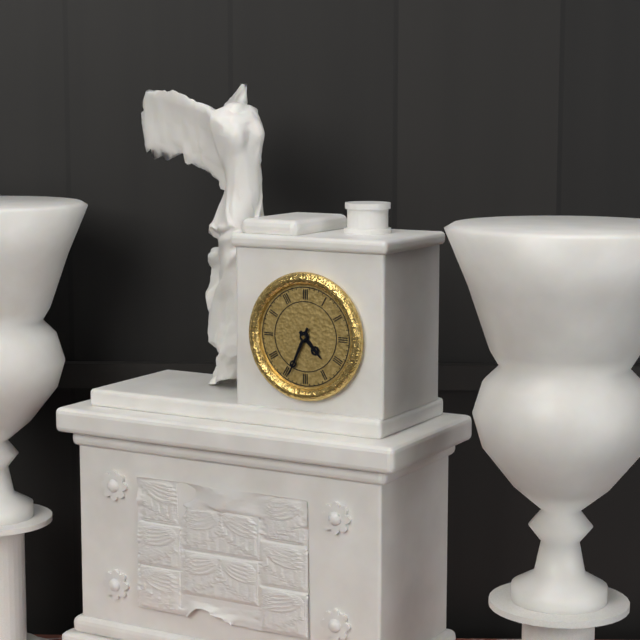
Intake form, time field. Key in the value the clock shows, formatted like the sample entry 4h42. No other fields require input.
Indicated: 4h34
